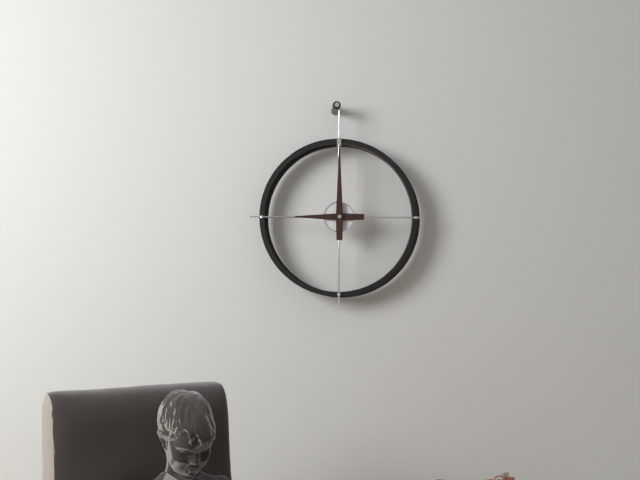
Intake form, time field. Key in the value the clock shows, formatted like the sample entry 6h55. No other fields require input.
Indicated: 9h00
